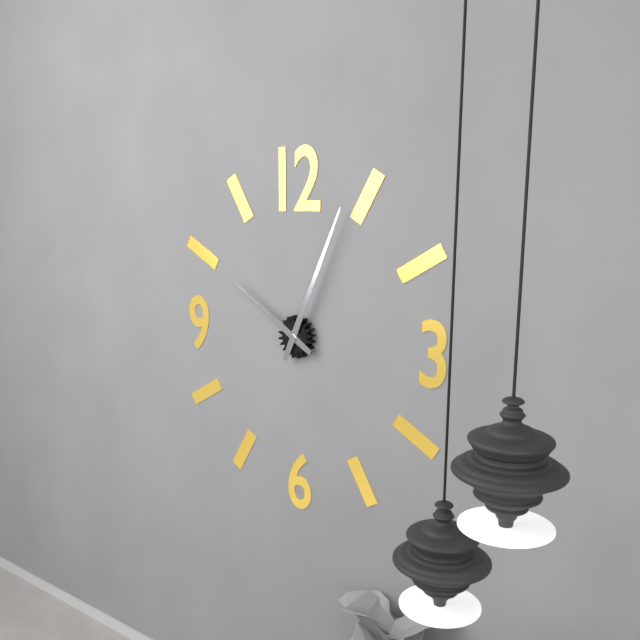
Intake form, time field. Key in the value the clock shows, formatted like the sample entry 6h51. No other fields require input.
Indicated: 10h04
